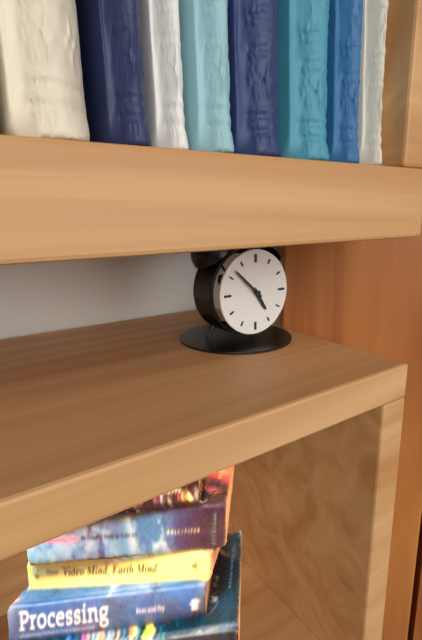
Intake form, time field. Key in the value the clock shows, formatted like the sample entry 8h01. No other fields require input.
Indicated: 4h52
